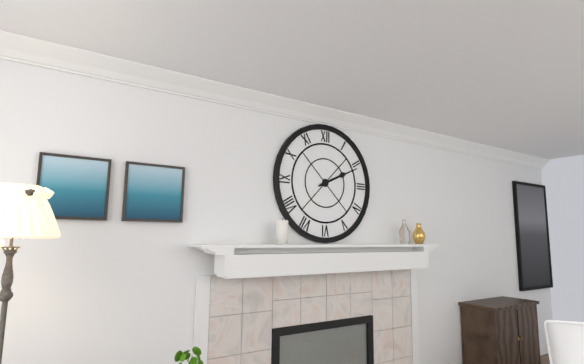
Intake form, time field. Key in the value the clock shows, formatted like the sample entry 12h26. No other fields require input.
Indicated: 2h11
